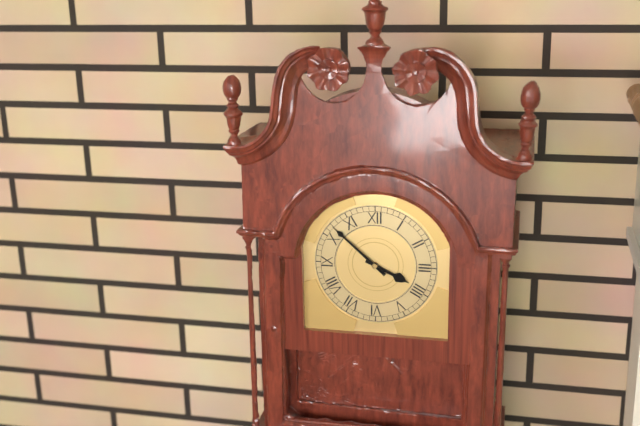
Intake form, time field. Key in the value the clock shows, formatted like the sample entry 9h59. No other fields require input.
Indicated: 3h52
